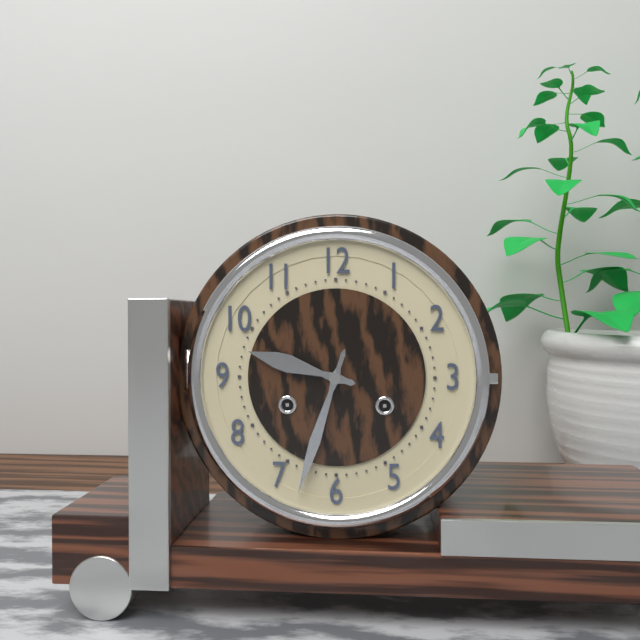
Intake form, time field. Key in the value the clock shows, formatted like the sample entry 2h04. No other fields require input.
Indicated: 9h33
